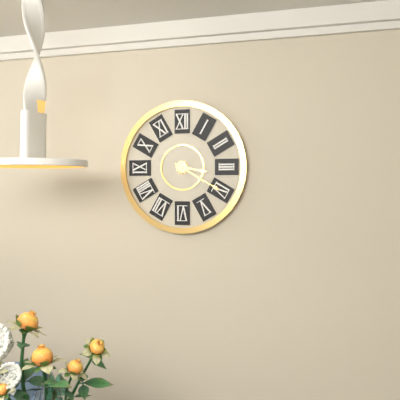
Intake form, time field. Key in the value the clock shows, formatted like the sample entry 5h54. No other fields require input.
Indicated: 3h20
